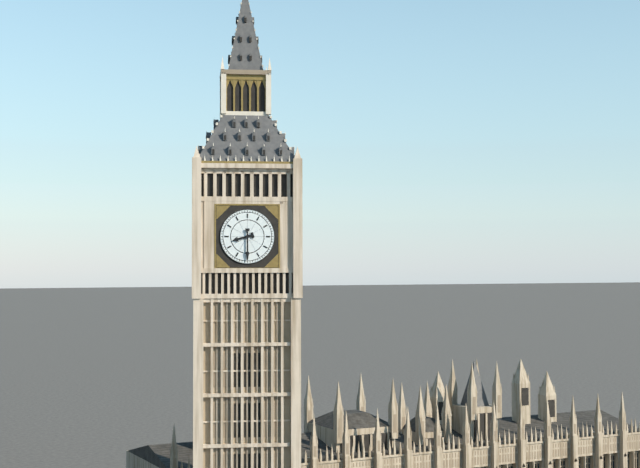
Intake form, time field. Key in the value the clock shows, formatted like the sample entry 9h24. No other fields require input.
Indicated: 8h30
